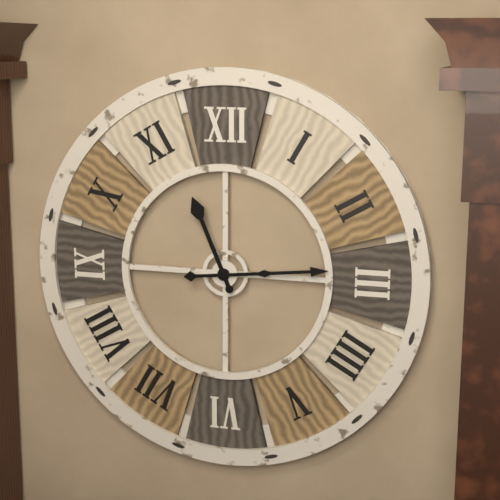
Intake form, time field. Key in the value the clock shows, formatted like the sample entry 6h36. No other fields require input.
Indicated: 11h14
